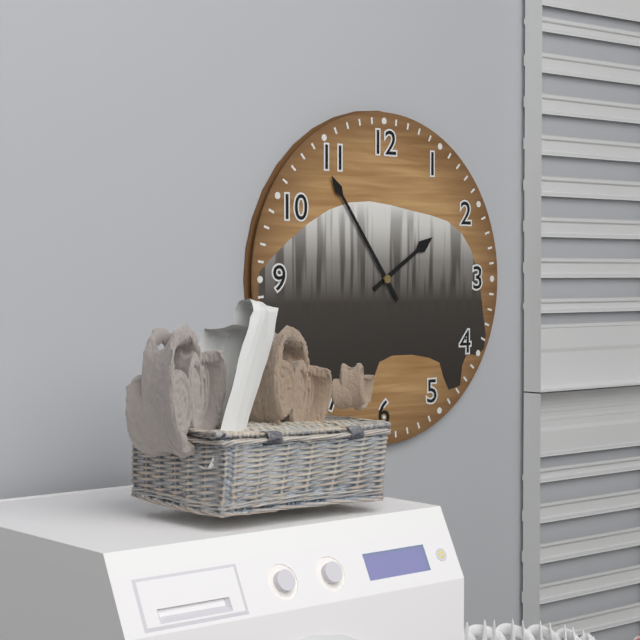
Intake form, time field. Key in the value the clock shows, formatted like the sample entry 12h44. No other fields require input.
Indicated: 1h54
